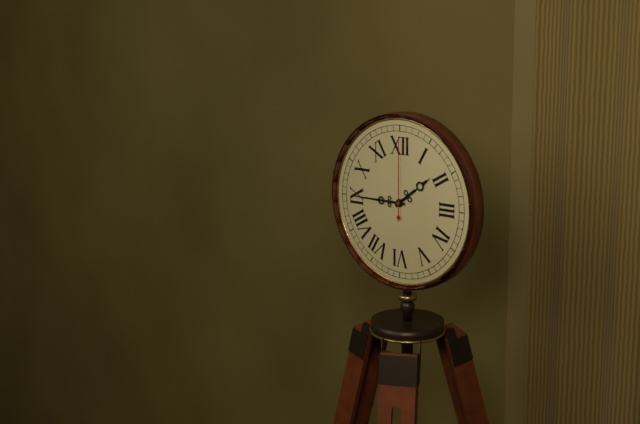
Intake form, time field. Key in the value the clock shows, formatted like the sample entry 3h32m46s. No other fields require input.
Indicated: 1h45m00s
